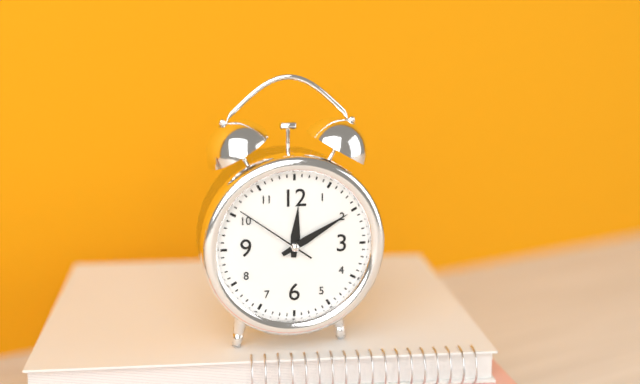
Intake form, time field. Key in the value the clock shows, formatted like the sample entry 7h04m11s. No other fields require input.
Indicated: 12h10m51s
